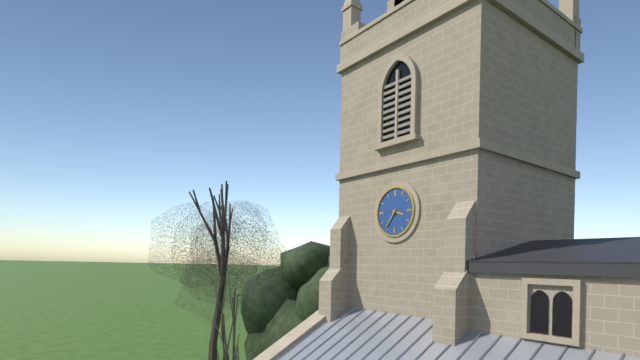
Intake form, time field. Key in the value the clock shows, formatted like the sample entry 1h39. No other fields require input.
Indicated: 3h36
